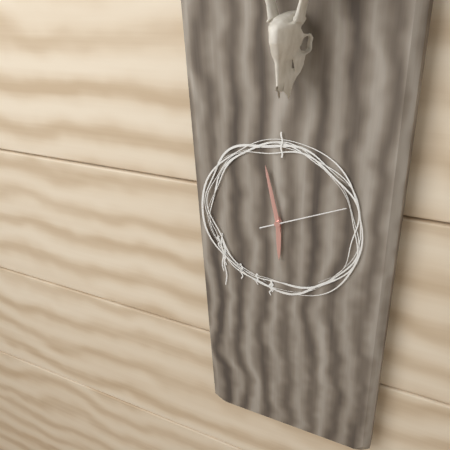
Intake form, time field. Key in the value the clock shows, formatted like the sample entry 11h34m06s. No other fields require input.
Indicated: 5h58m11s
